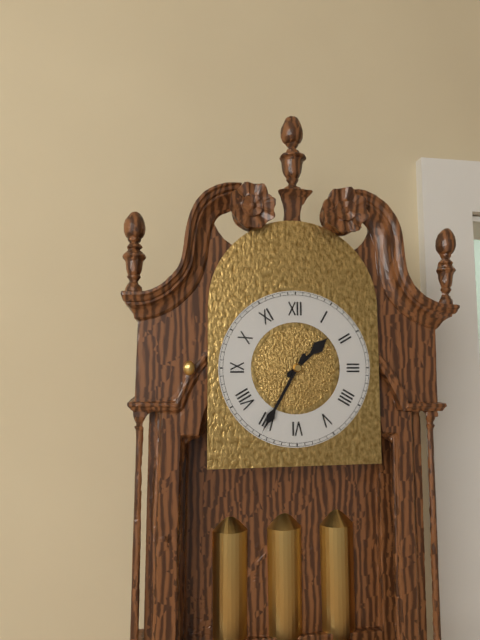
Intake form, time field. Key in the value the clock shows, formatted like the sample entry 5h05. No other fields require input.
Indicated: 1h35
